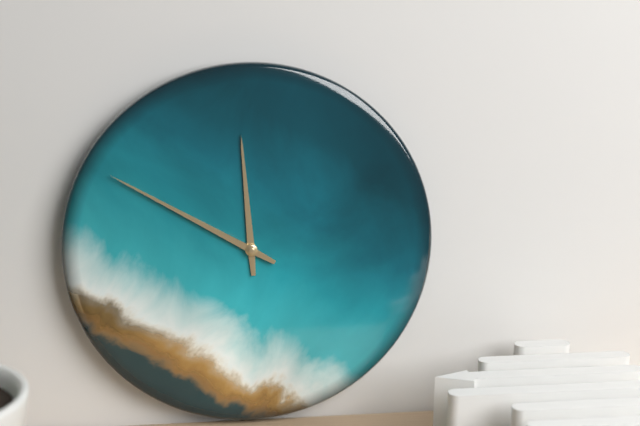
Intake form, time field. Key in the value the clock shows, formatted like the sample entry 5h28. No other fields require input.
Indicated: 11h50
